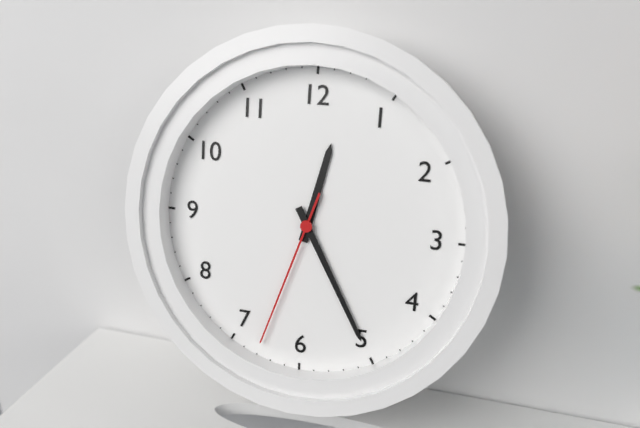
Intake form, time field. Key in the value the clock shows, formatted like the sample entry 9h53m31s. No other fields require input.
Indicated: 12h25m33s
